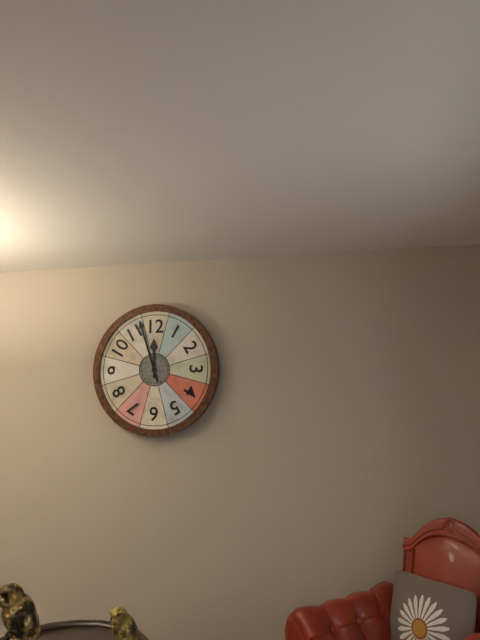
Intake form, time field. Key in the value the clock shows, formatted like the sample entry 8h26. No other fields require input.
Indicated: 11h57
